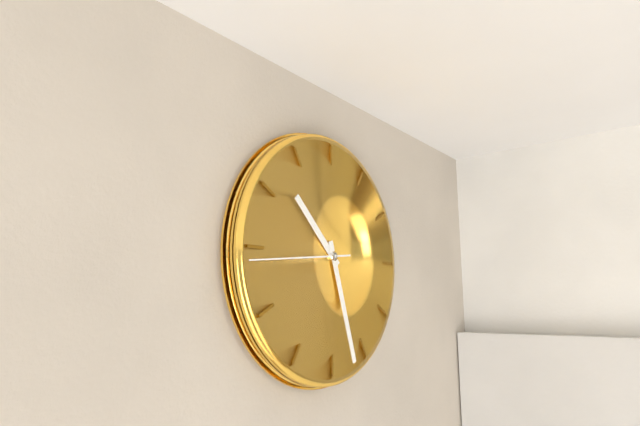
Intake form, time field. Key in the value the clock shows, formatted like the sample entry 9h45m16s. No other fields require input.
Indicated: 10h27m44s
